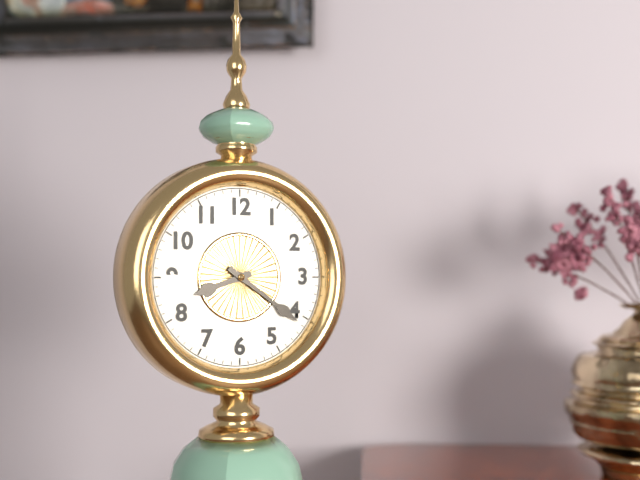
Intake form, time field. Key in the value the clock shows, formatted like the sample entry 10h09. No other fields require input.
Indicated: 8h21
